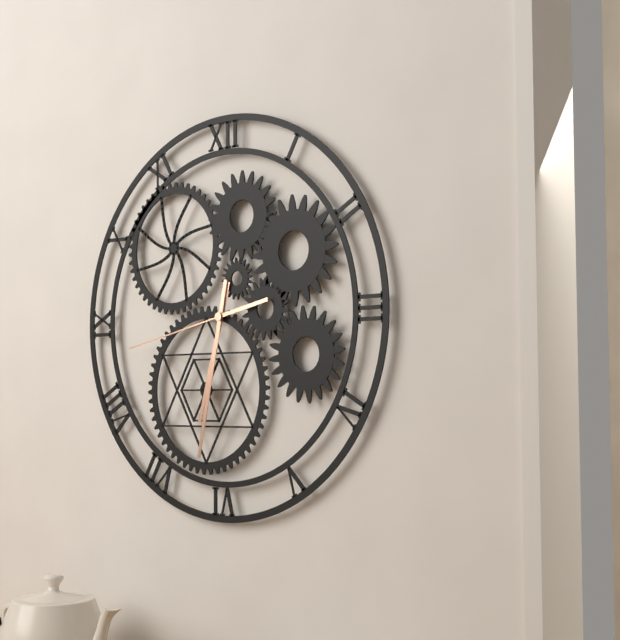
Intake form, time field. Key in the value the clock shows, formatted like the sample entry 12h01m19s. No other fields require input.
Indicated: 6h32m43s
